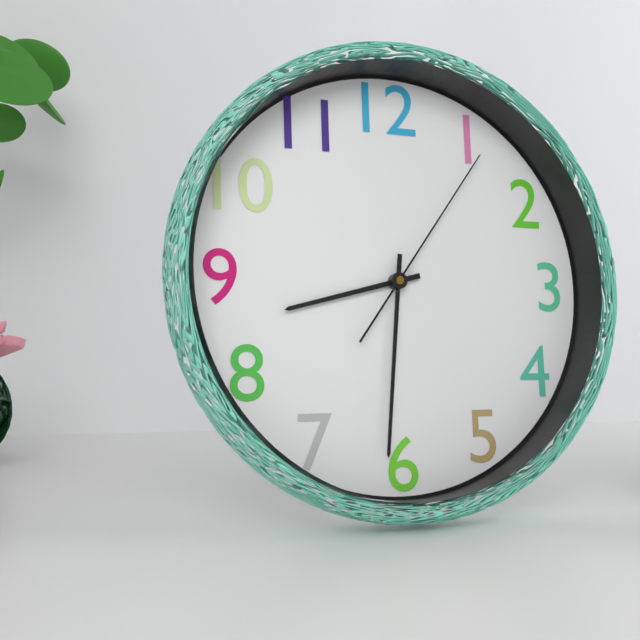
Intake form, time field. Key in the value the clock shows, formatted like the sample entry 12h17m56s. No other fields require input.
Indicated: 8h31m06s
